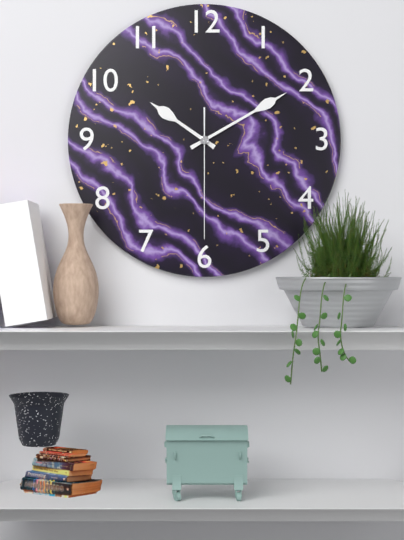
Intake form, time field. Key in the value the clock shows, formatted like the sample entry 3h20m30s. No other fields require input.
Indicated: 10h10m30s
